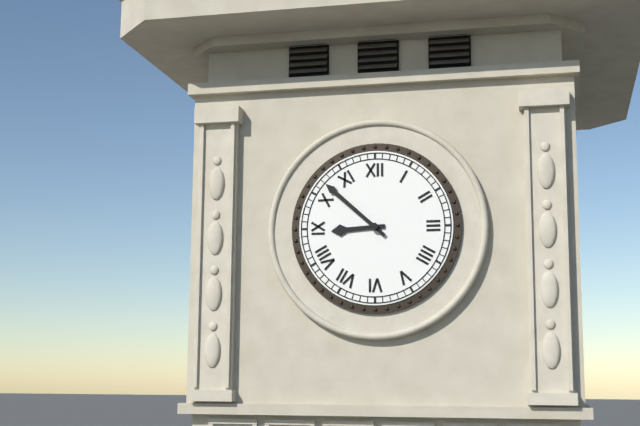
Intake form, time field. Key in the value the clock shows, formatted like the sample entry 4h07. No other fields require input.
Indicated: 8h52
